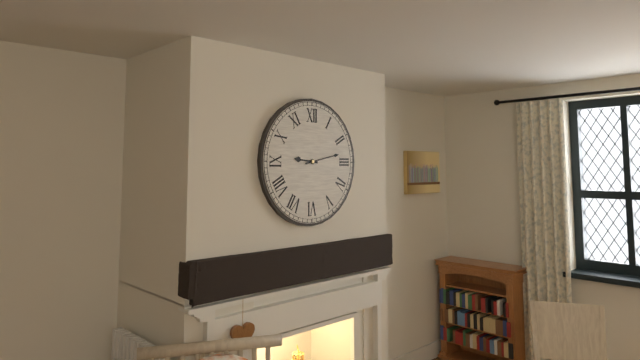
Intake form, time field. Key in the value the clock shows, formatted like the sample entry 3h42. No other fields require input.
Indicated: 9h13
